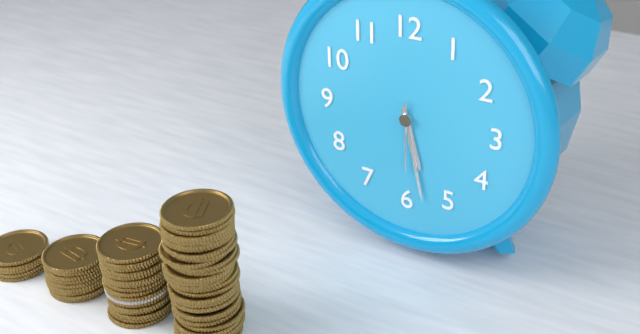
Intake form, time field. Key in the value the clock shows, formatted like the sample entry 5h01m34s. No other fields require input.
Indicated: 5h28m30s
